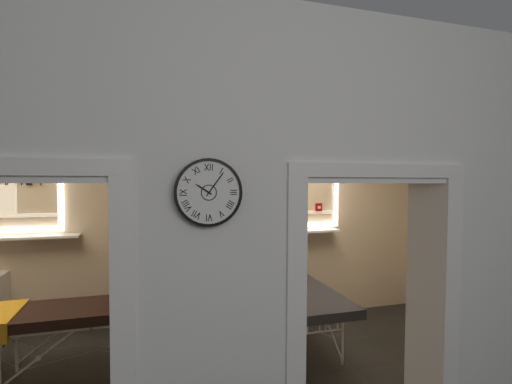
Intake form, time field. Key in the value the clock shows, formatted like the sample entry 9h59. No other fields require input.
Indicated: 10h06
